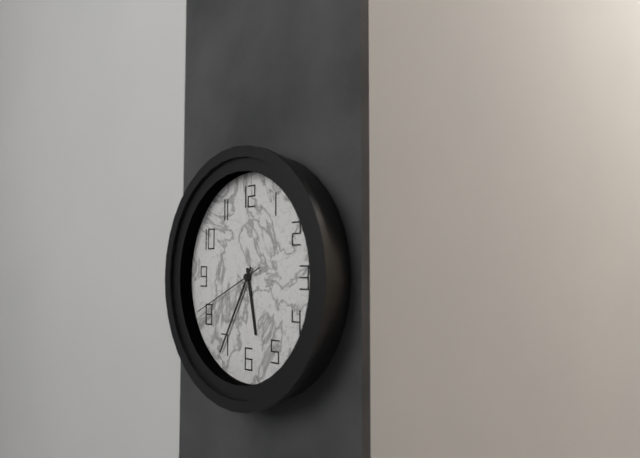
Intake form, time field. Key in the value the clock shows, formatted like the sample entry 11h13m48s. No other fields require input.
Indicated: 5h35m41s
